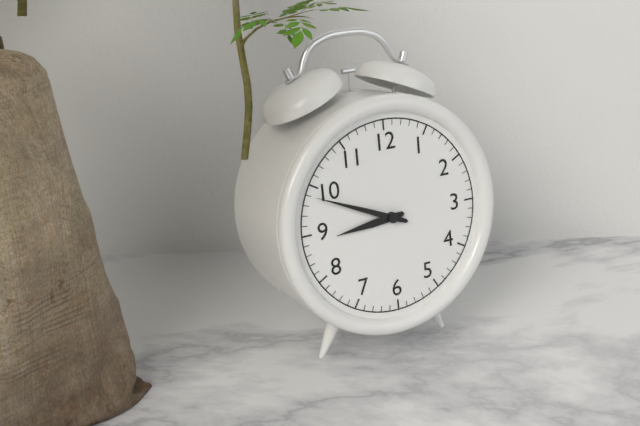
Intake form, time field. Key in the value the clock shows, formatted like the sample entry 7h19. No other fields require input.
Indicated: 8h49
